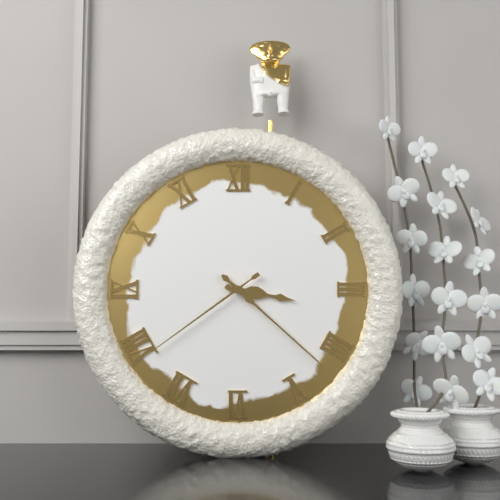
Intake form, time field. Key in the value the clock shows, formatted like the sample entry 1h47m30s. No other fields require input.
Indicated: 3h22m39s
